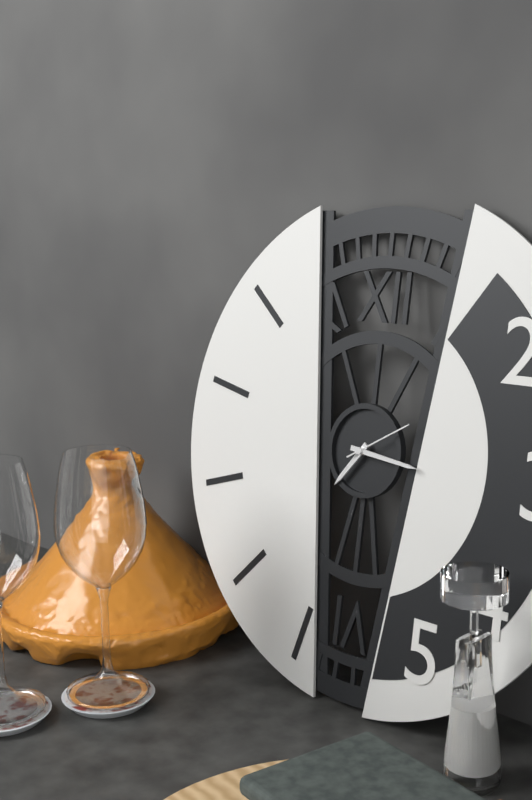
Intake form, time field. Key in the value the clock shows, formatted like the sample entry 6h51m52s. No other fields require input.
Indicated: 7h16m10s
